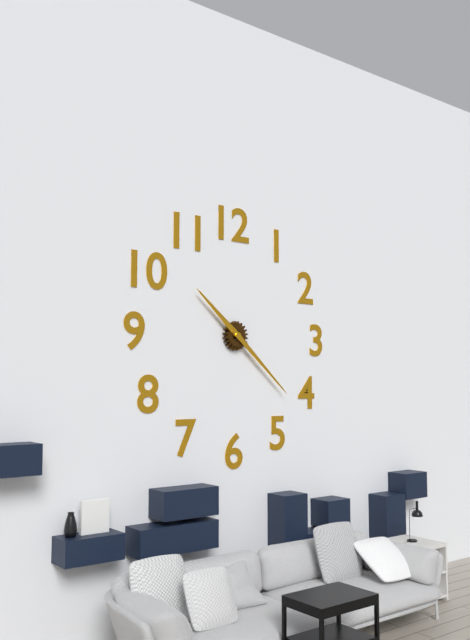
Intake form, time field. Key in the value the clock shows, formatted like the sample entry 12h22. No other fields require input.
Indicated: 10h22
